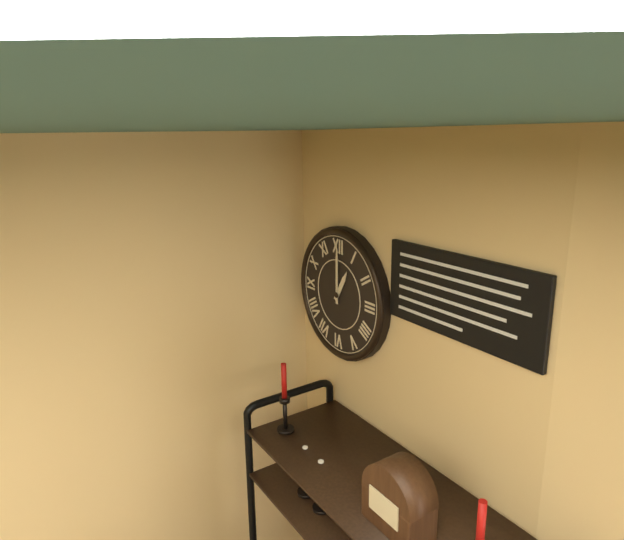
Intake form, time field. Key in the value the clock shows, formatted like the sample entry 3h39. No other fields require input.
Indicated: 1h00
